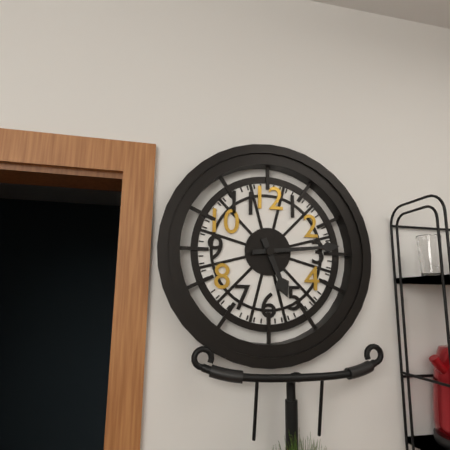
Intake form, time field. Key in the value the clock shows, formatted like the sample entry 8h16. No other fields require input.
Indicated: 5h14
